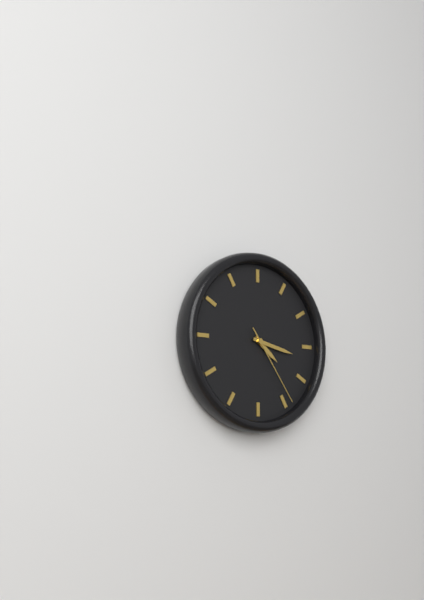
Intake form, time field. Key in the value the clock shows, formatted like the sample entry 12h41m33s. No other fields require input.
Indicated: 4h17m24s
